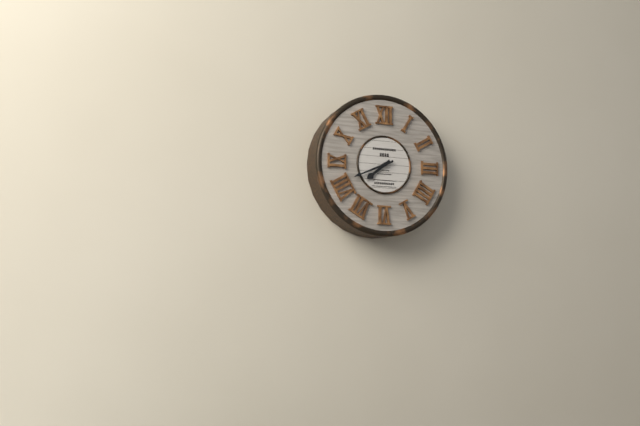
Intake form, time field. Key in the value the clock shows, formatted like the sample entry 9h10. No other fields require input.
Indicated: 7h41
